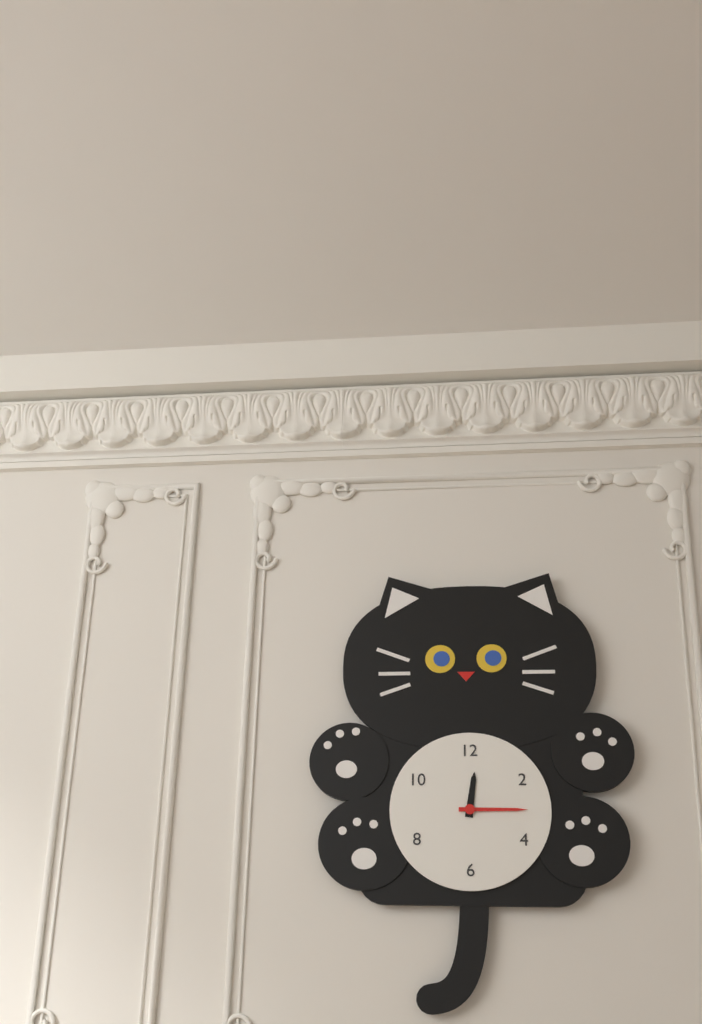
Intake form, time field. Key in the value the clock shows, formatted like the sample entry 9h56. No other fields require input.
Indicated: 12h15
